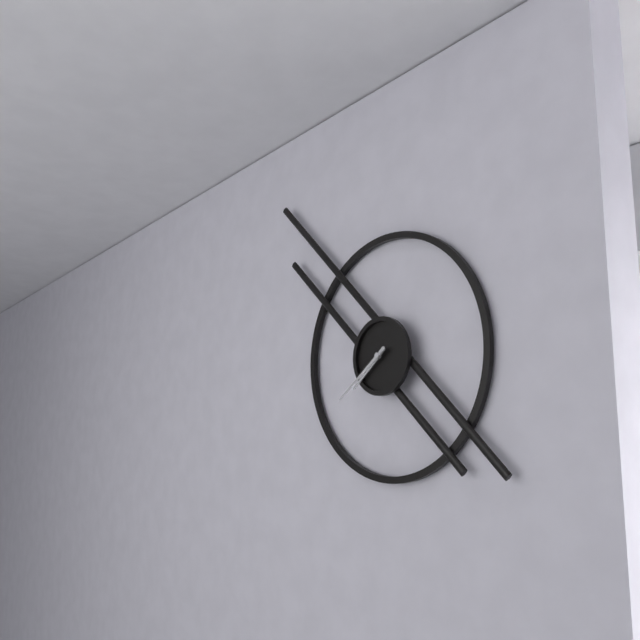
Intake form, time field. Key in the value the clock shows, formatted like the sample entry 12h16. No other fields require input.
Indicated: 7h39
